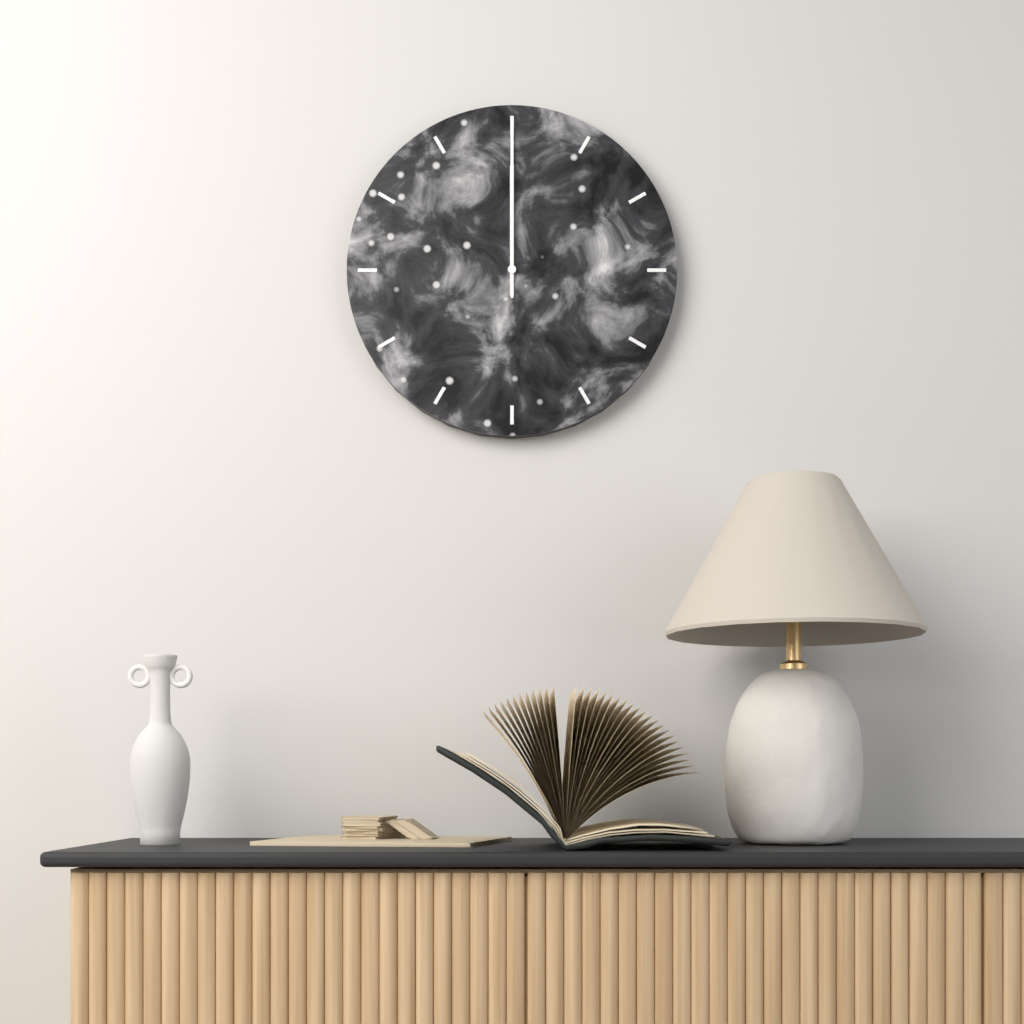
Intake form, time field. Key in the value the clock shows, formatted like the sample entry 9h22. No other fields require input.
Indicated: 12h00
